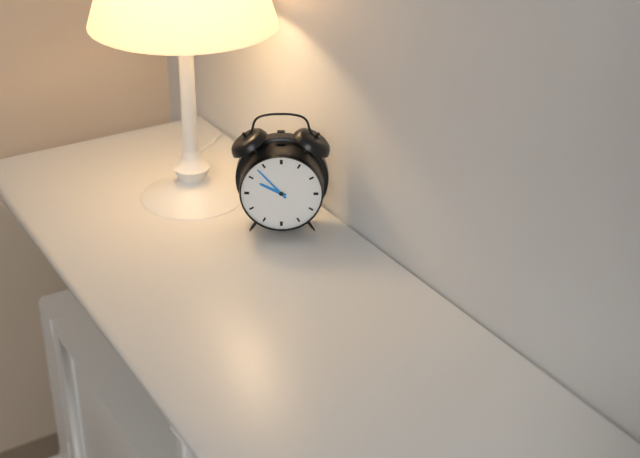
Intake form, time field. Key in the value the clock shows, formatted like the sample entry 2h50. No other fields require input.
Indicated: 9h53
